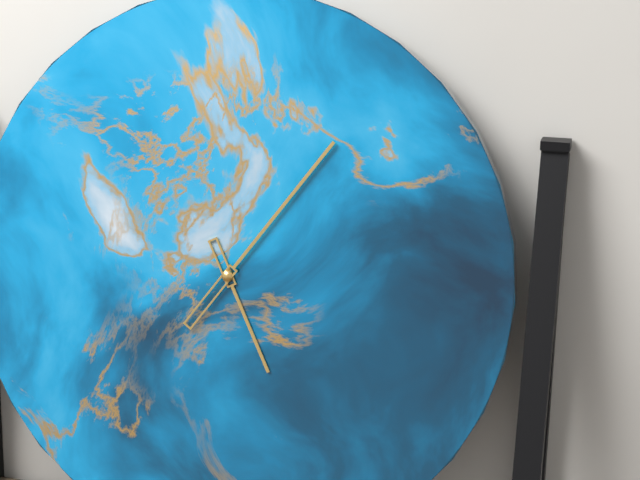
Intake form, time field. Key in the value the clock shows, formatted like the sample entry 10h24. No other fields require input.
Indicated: 5h06
